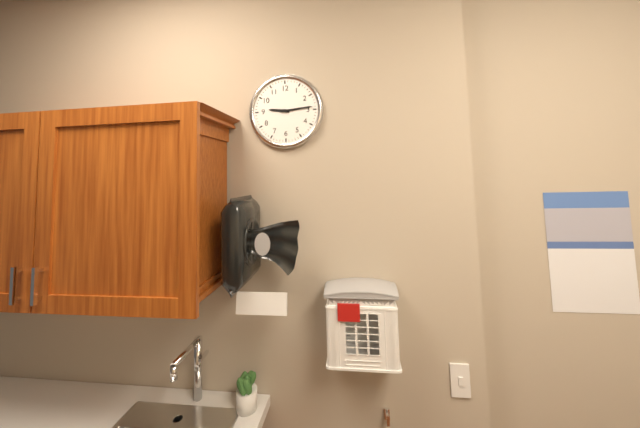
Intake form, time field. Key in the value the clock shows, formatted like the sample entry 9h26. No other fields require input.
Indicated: 9h14
